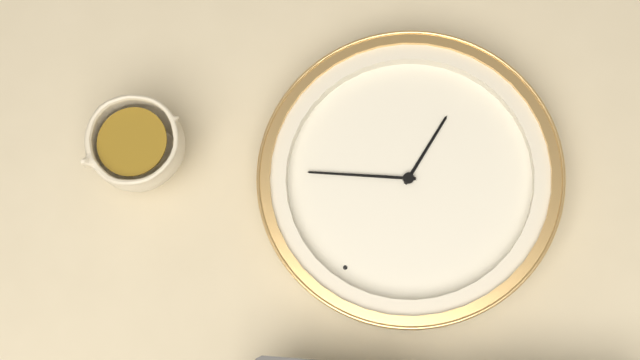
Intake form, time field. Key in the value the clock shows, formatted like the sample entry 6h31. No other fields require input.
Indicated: 5h06
